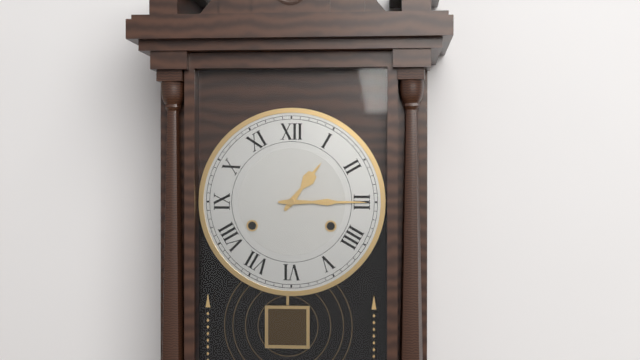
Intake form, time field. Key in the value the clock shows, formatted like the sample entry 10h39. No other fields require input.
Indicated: 1h15
